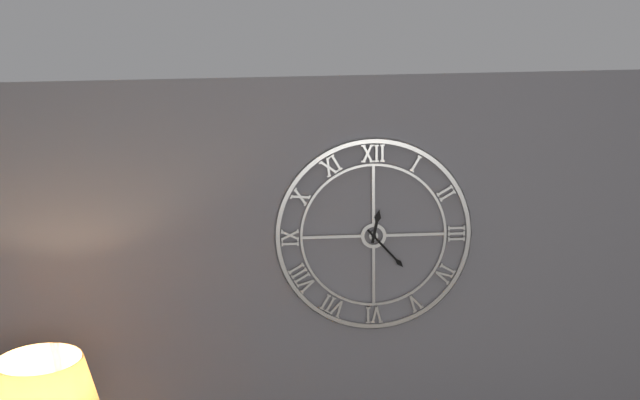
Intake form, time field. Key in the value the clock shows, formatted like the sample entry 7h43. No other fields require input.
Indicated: 12h23
